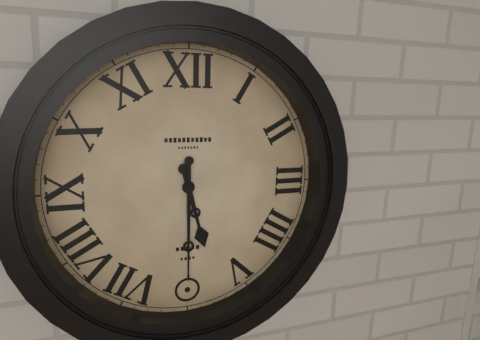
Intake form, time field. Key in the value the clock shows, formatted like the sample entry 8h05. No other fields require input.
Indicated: 5h30
